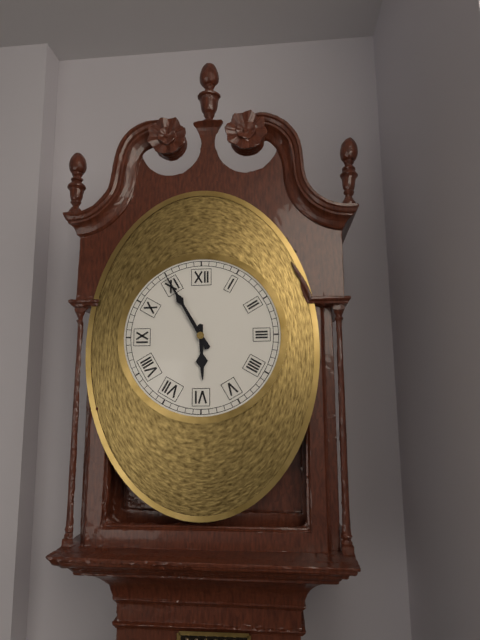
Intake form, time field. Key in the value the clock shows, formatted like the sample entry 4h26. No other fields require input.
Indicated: 5h55
